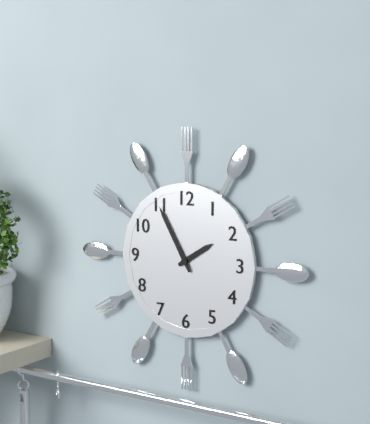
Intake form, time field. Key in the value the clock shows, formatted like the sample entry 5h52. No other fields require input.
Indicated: 1h55
